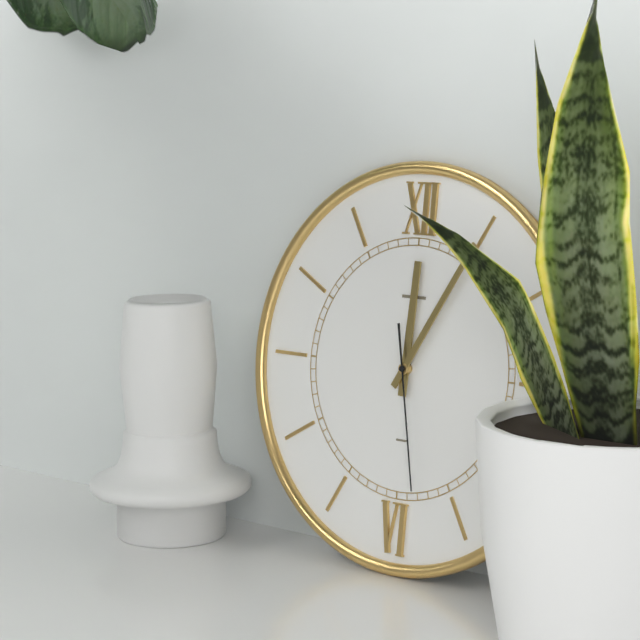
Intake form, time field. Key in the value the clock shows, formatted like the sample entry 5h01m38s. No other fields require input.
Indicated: 12h05m28s
